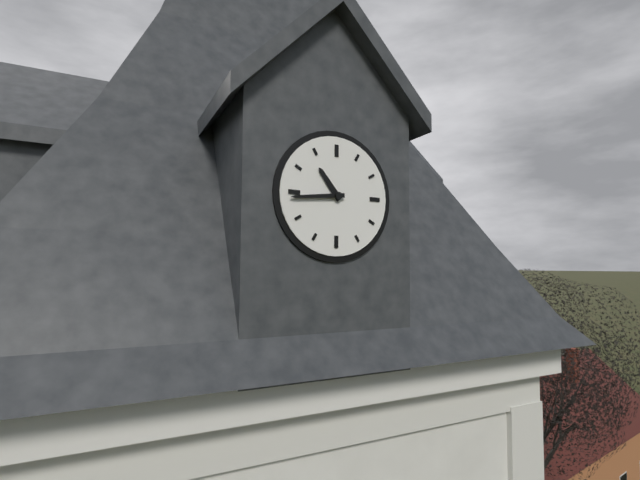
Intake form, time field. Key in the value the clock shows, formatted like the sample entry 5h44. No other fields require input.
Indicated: 10h44
